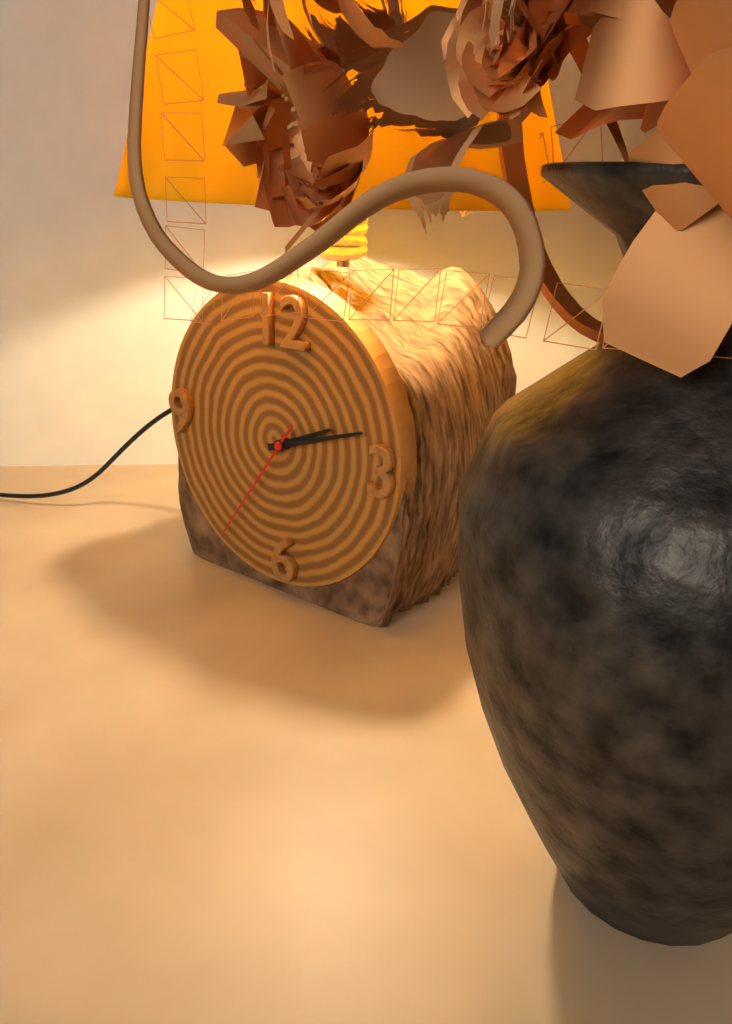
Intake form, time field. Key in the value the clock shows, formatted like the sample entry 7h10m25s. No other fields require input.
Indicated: 2h12m36s
